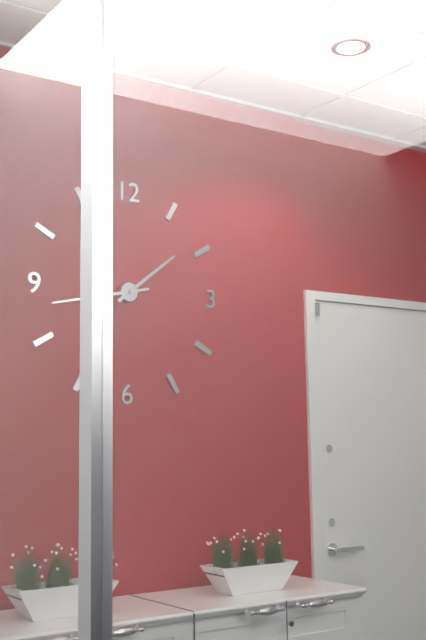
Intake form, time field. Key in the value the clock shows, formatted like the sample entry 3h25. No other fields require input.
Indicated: 1h43
